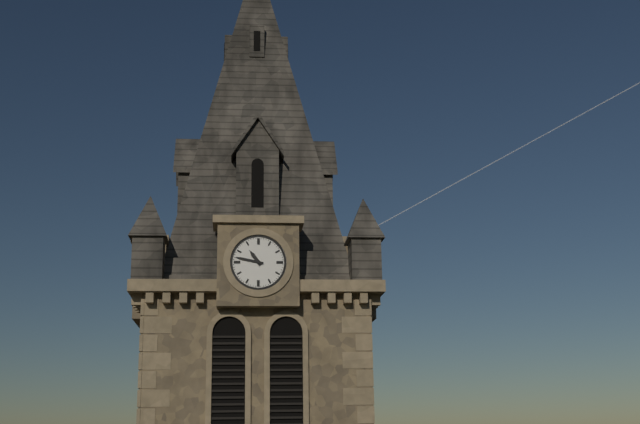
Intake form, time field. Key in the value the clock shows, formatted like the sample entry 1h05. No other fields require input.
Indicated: 10h47
